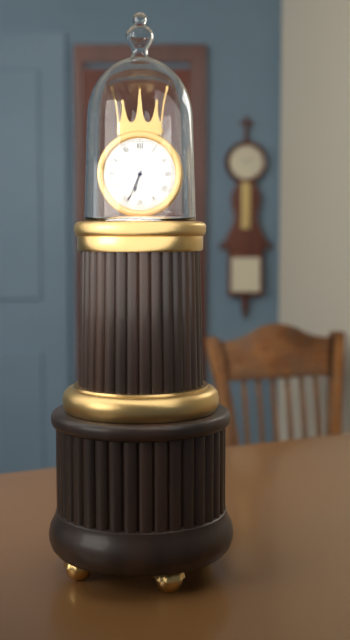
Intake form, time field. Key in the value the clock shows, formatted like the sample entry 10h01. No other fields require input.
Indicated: 6h34
